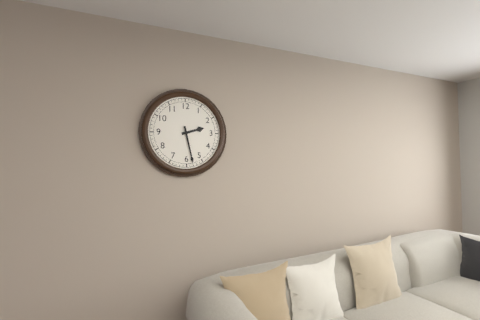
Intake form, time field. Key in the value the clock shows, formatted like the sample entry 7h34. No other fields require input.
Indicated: 2h28
